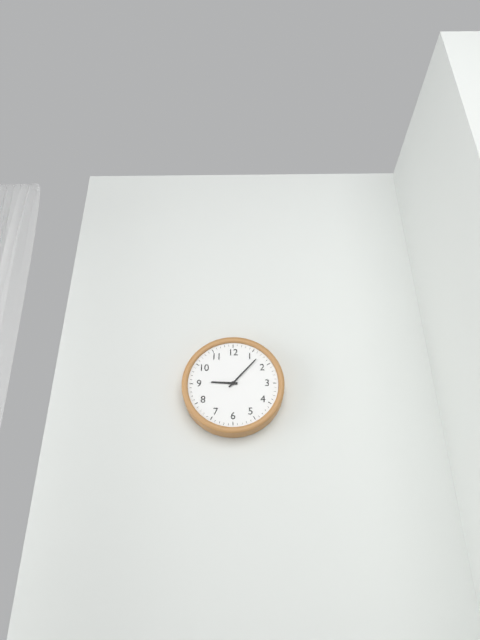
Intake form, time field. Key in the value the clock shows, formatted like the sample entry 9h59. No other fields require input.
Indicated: 9h07
